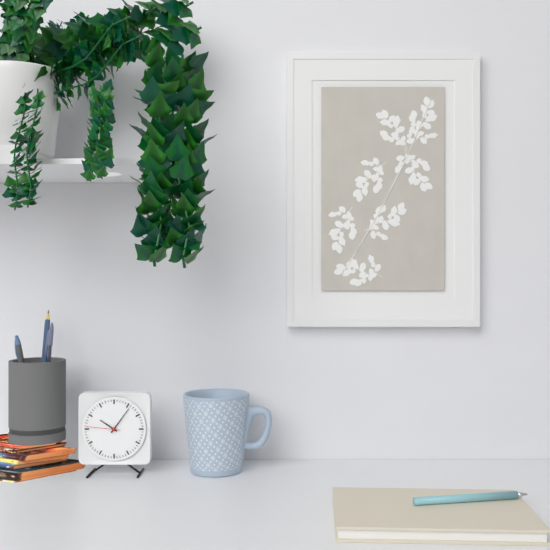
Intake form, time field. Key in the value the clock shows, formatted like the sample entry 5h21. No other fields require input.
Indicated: 10h06
